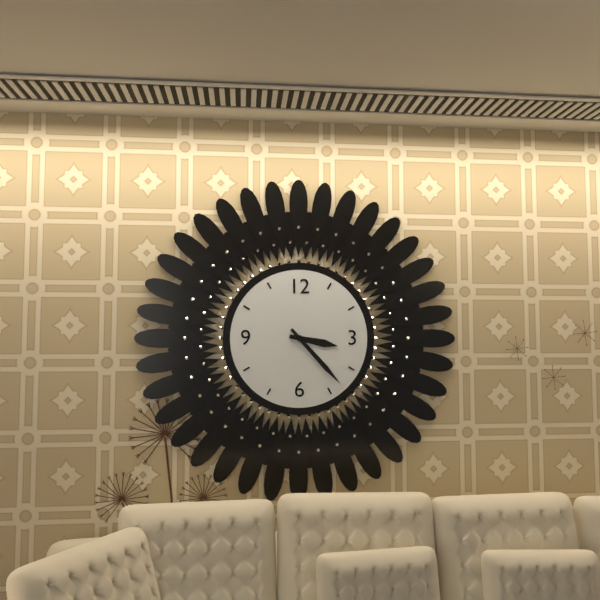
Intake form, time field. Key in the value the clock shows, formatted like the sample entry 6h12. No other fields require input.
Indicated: 3h23
